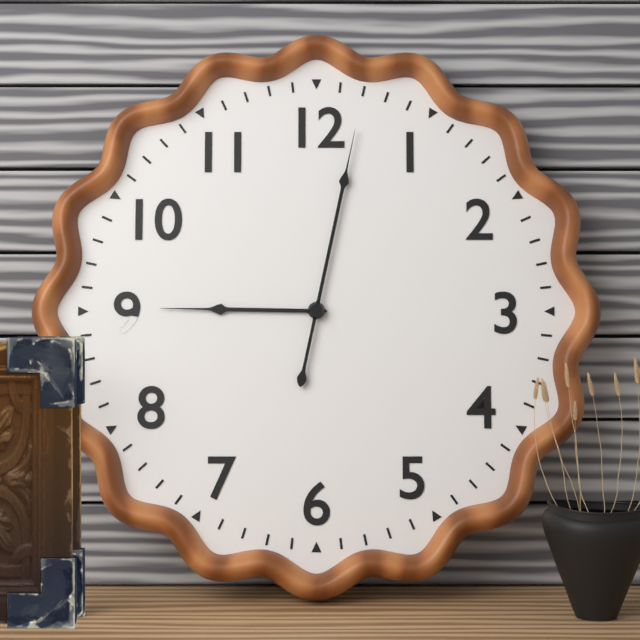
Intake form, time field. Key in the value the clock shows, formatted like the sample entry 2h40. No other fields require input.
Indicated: 9h02
